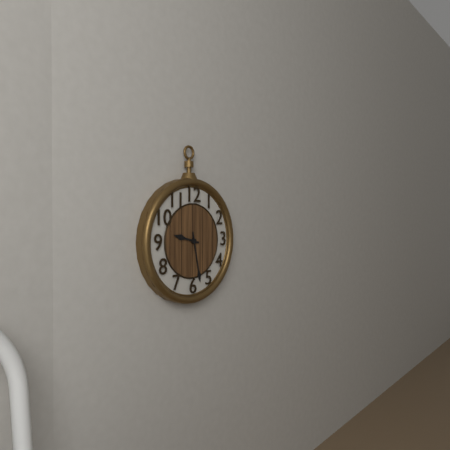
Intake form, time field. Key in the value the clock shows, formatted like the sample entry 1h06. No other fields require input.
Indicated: 9h28
